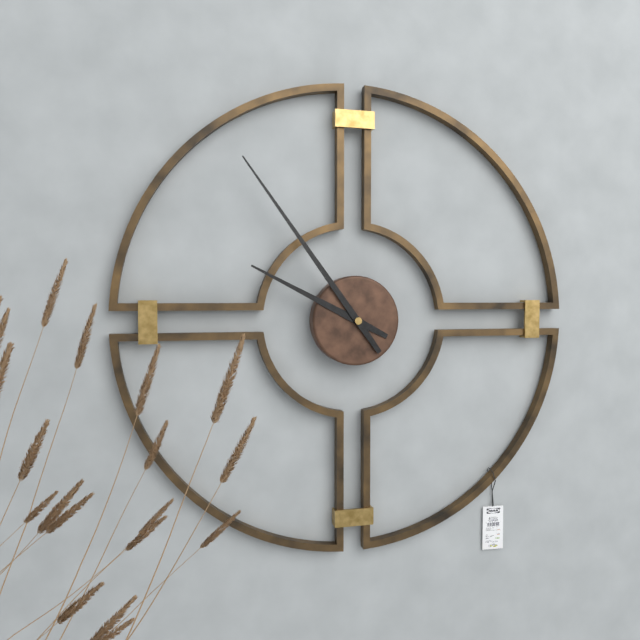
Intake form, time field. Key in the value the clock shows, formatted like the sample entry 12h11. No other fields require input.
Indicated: 9h54
